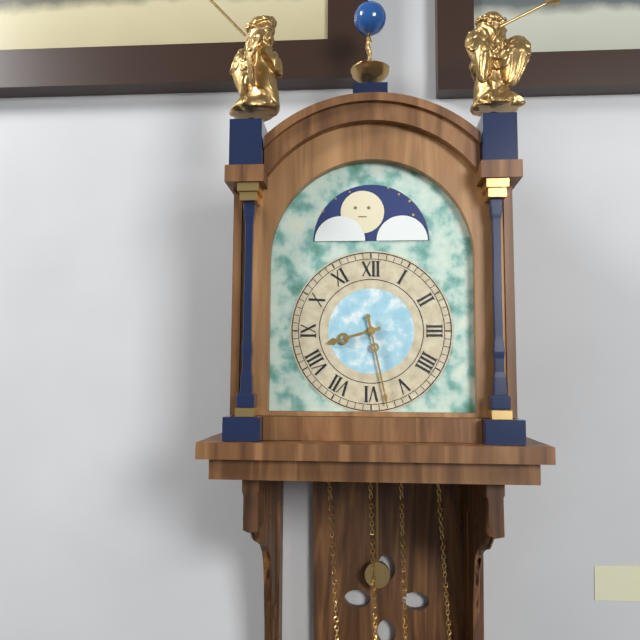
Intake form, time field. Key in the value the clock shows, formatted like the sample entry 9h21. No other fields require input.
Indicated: 8h28
